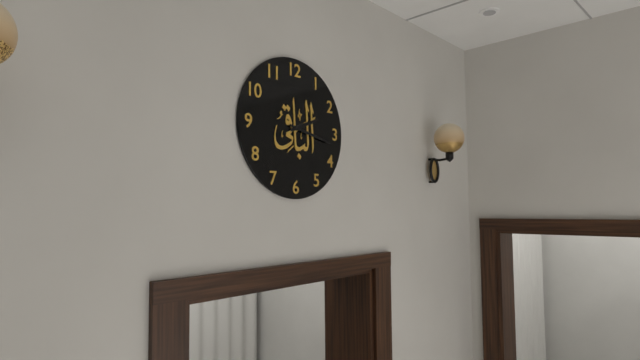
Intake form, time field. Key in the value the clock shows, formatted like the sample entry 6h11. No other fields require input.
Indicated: 2h17
